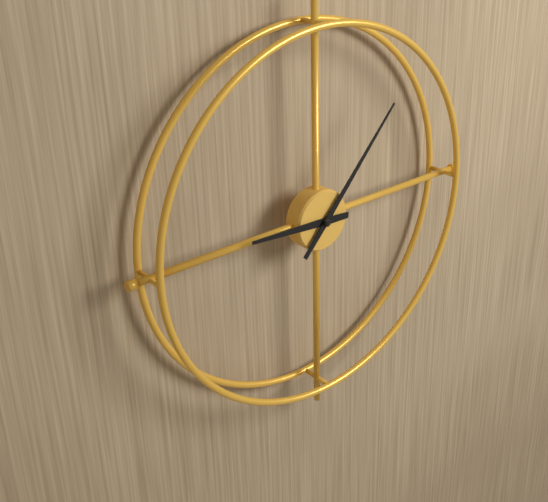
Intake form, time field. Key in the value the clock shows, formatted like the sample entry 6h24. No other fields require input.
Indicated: 9h07
